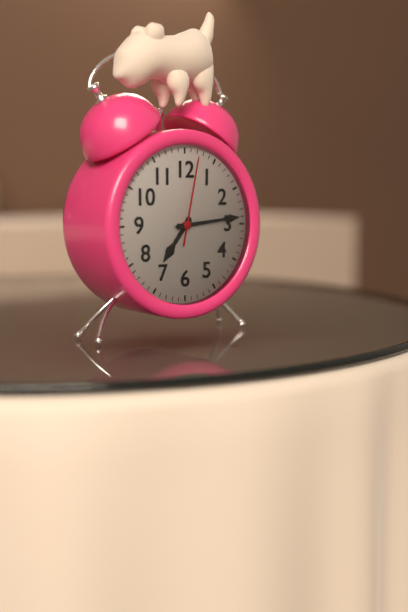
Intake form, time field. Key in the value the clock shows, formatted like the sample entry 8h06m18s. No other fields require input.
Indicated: 7h14m02s
